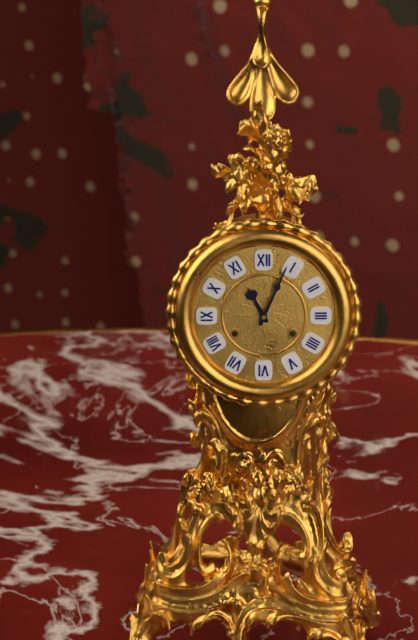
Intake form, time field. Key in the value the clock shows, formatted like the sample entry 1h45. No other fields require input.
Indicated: 11h04
